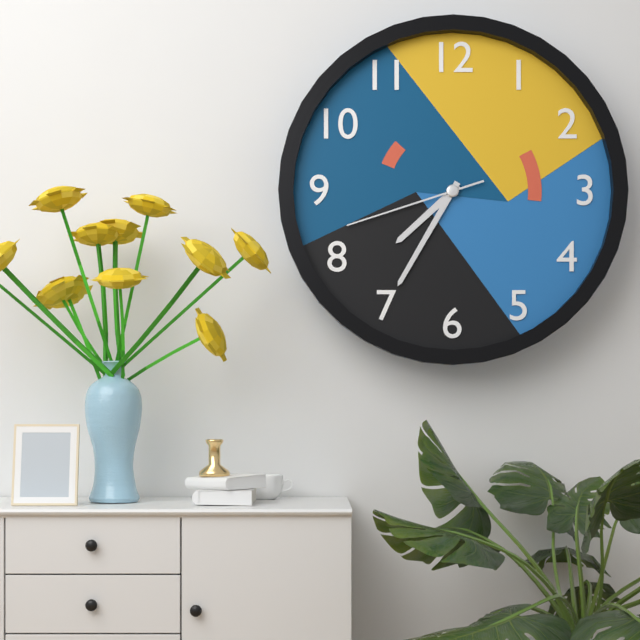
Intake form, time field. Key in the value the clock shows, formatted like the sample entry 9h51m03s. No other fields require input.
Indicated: 7h35m42s
